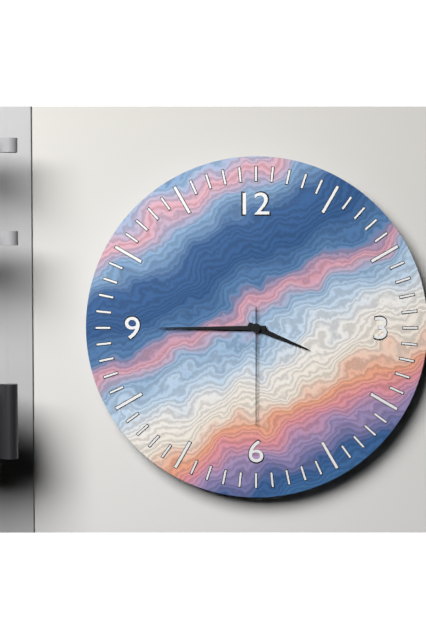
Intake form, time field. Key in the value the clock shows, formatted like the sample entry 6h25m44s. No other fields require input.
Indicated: 3h45m30s
